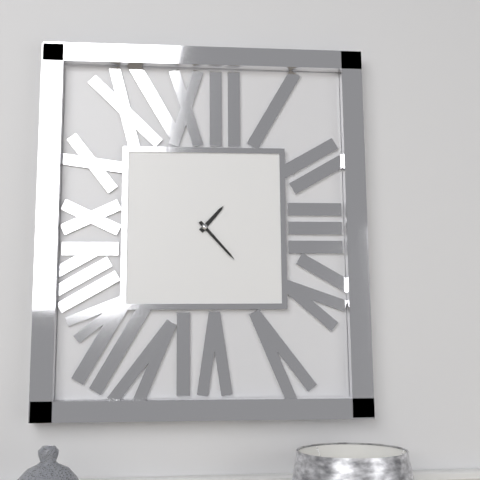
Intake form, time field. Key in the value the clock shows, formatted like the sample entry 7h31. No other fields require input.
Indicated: 1h23
